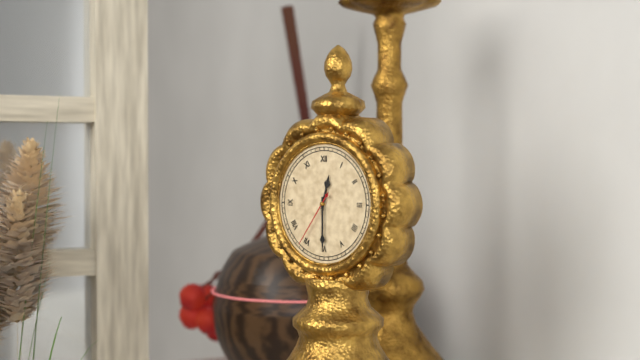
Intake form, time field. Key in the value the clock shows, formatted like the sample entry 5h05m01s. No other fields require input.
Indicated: 12h30m36s
